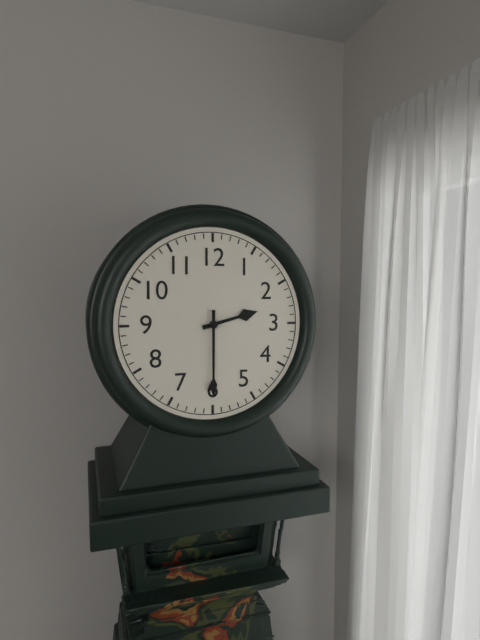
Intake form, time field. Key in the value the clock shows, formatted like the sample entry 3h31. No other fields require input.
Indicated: 2h30
